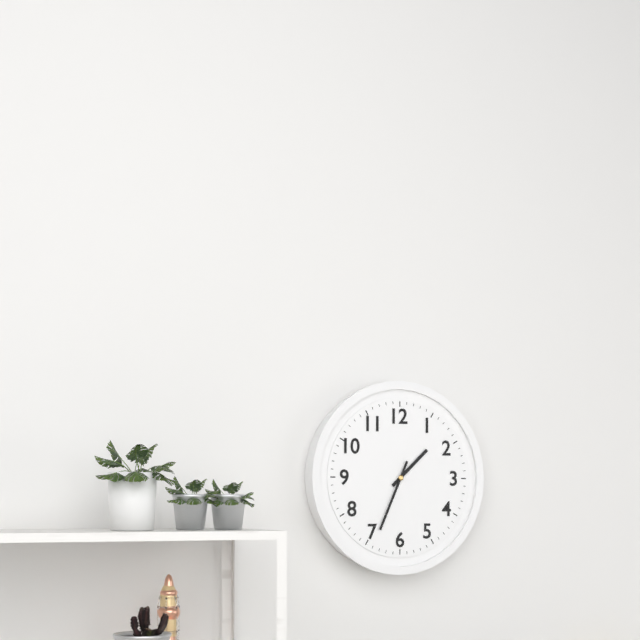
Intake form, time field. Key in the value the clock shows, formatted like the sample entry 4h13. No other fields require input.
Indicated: 1h34
